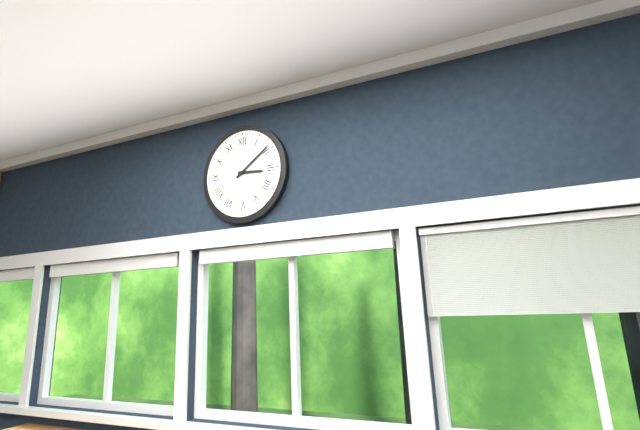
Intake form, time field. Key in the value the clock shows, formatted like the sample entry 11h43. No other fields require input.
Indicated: 3h09
